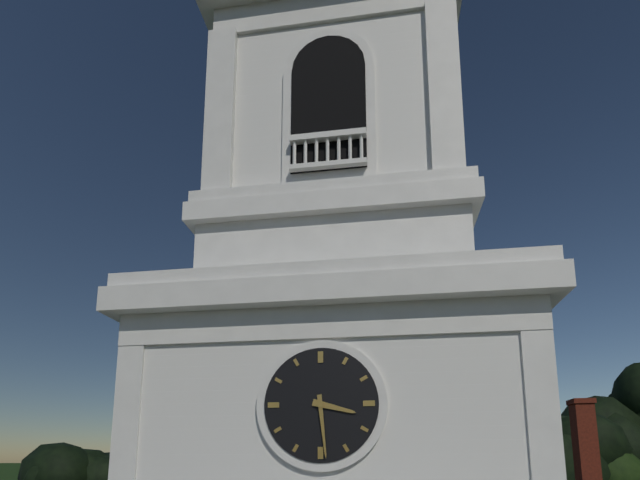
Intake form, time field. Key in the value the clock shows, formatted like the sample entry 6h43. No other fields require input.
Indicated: 3h29
